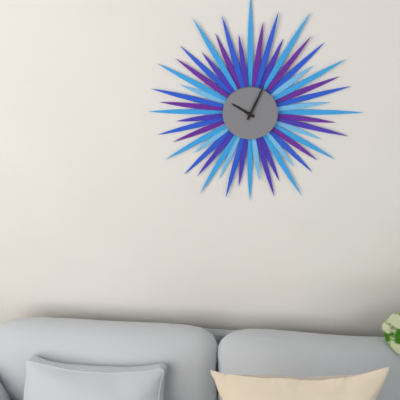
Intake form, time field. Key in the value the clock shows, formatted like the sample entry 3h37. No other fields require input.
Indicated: 10h04
